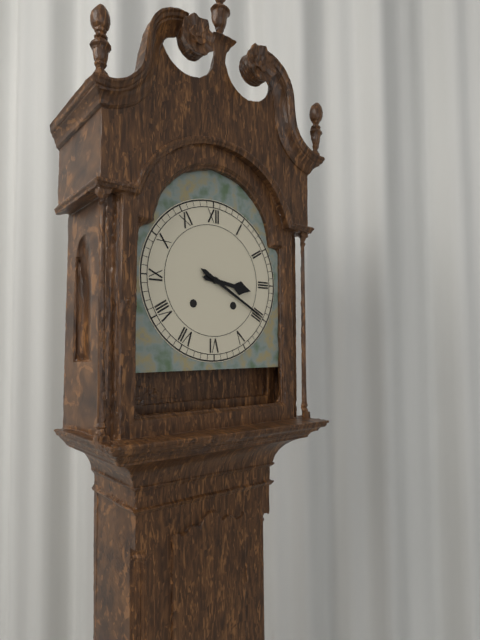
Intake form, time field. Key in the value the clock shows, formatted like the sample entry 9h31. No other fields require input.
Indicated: 3h20
